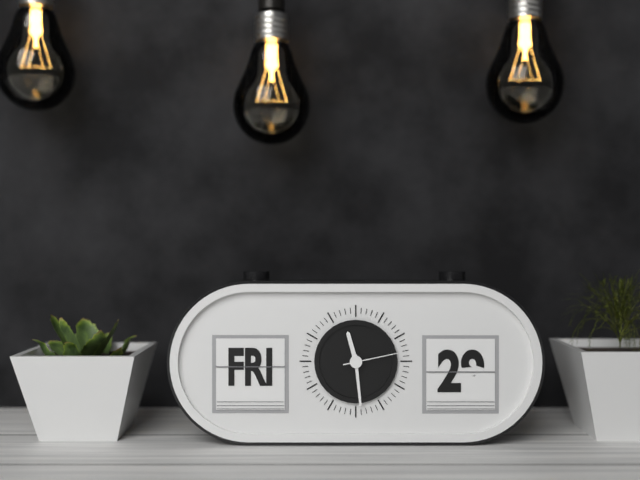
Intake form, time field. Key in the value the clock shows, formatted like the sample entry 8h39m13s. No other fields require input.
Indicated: 11h29m13s
